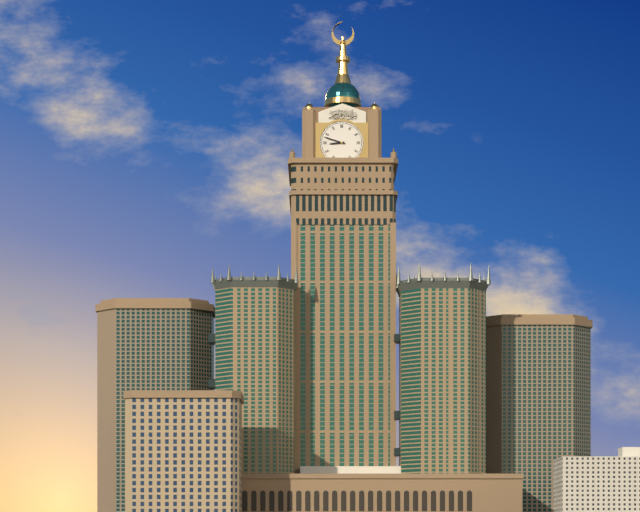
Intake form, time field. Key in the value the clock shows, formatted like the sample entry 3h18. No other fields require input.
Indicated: 8h48
